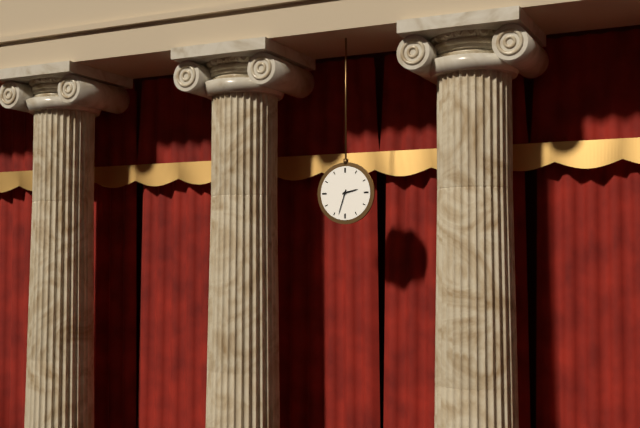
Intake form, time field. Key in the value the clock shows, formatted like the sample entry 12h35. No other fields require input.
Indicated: 2h33
